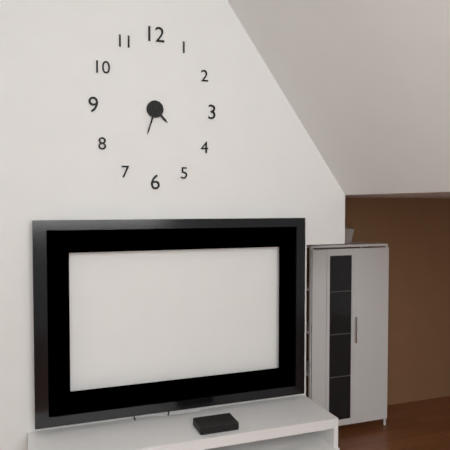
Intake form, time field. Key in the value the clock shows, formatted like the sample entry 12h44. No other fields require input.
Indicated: 4h33
